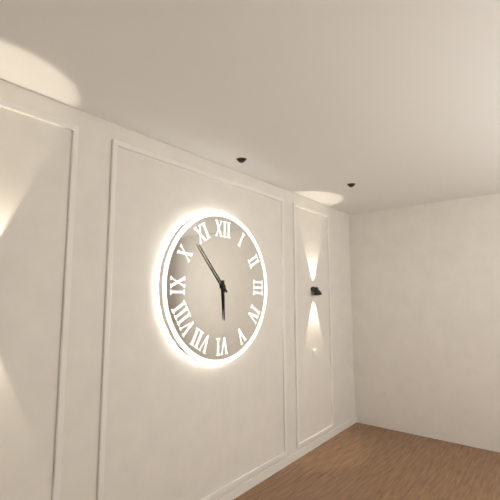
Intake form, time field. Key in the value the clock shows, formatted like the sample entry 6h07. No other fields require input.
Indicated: 5h53
